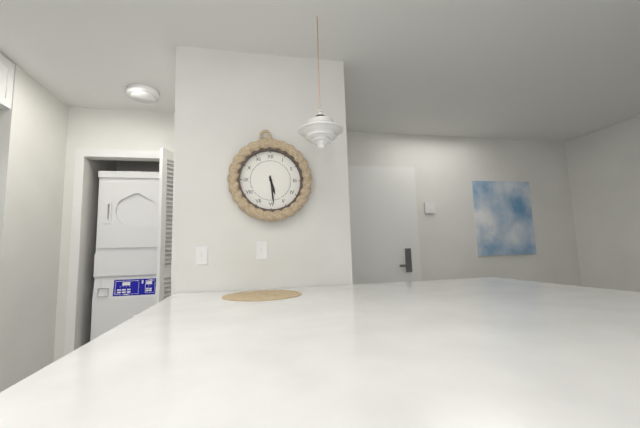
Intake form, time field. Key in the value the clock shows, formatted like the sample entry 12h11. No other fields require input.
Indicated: 5h29
